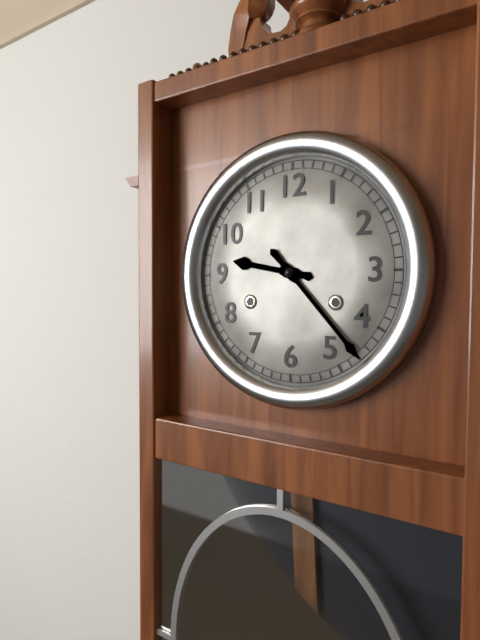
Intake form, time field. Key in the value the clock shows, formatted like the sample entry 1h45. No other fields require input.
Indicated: 9h23
